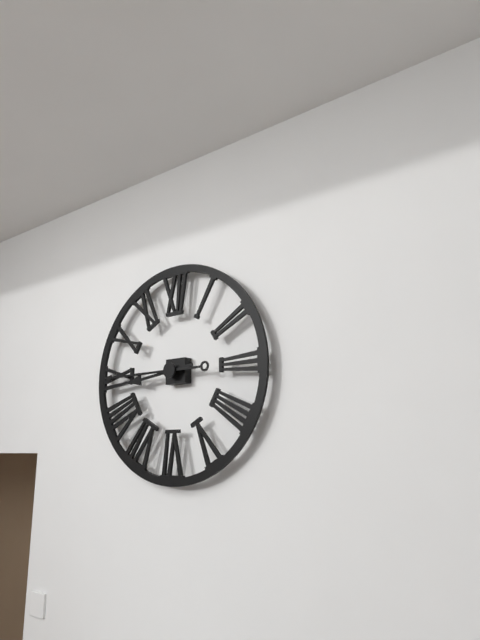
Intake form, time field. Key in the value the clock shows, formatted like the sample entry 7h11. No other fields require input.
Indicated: 8h45
